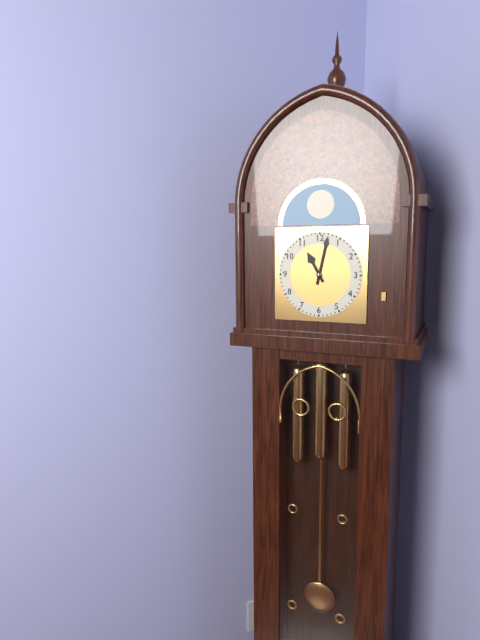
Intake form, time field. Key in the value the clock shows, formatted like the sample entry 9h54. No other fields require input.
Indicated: 11h02
